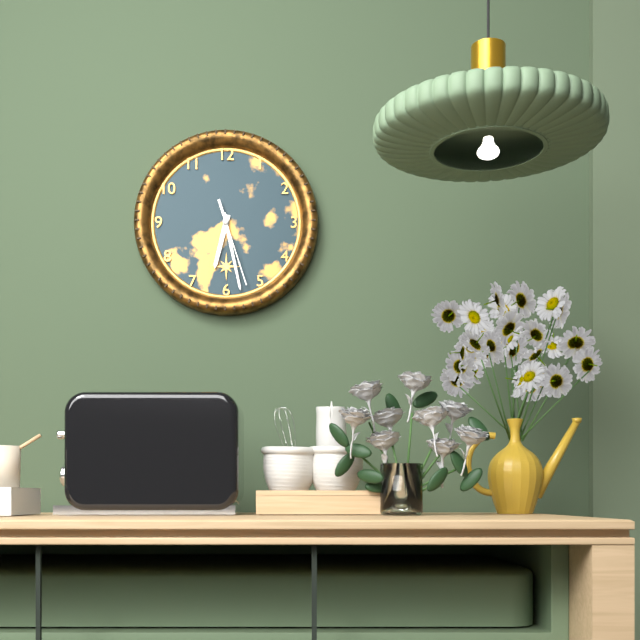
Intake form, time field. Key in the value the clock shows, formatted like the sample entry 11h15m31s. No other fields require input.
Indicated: 6h28m27s
